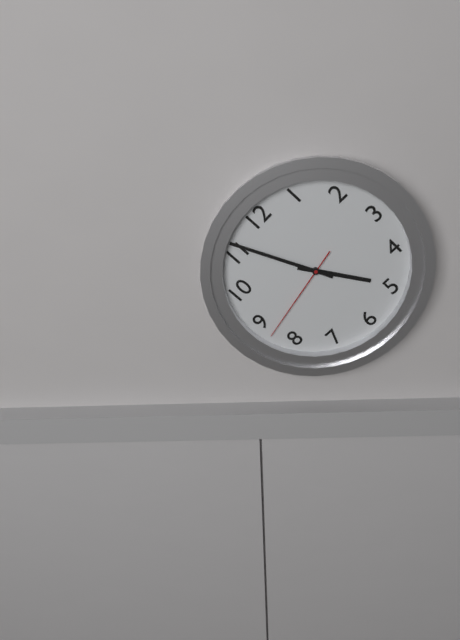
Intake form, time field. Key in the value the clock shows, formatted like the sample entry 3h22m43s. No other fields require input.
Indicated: 4h56m43s
